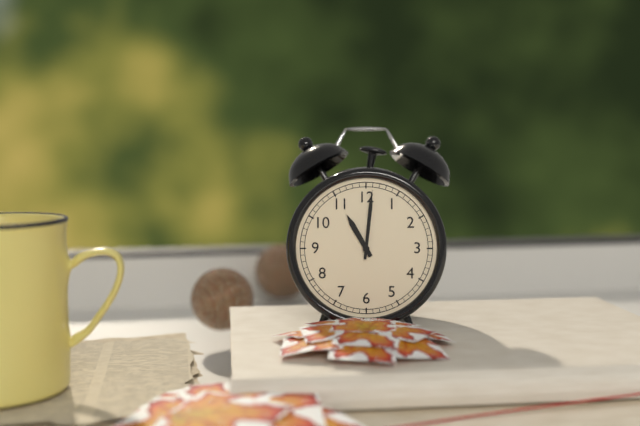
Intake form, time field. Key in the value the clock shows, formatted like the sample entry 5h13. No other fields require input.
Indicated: 11h01
